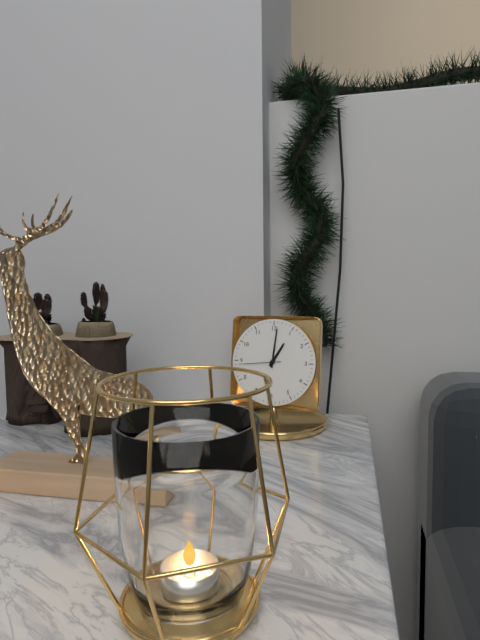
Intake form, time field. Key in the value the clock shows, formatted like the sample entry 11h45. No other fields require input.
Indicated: 1h01
